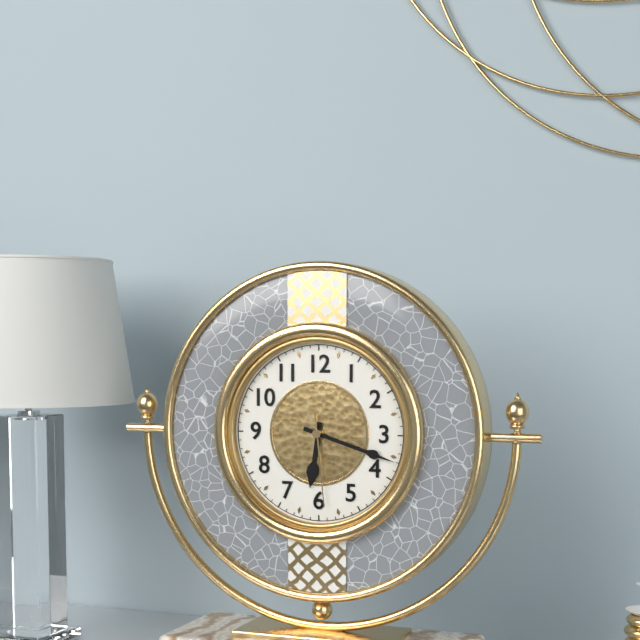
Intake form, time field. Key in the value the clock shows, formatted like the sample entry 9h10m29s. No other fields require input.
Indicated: 6h18m29s
